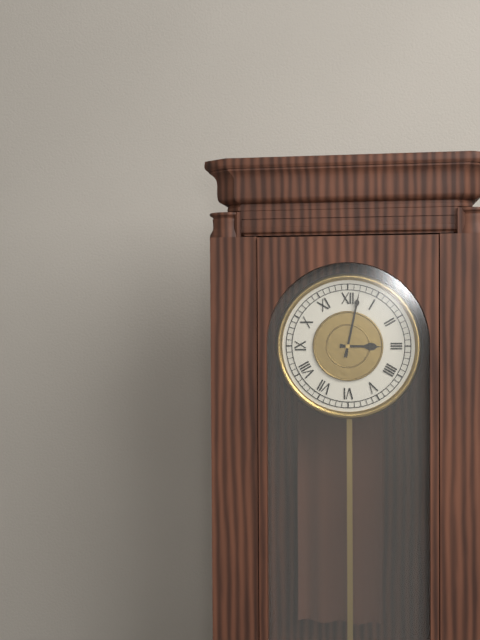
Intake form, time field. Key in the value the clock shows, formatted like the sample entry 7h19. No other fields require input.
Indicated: 3h02
